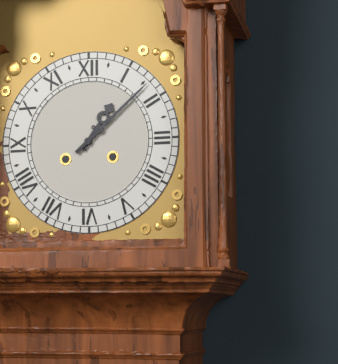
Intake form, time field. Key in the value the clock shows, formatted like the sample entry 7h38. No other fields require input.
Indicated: 1h08
